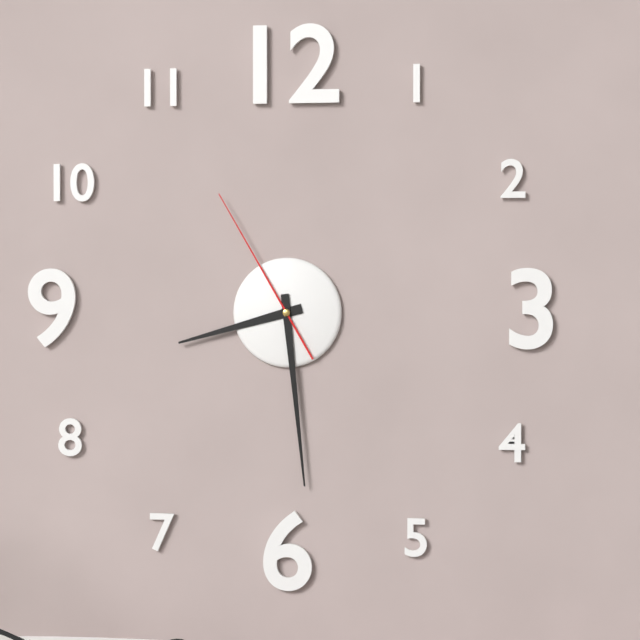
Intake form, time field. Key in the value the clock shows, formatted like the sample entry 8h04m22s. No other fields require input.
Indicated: 8h29m55s
